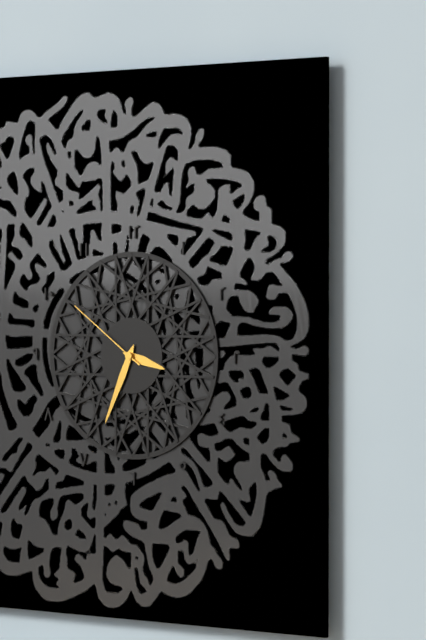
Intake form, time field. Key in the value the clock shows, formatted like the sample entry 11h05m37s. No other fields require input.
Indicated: 3h34m51s
